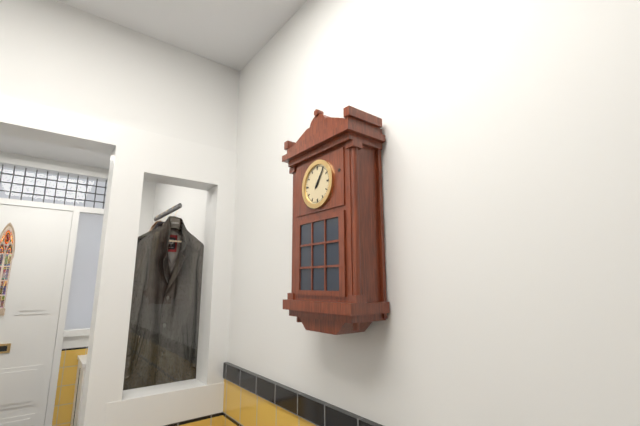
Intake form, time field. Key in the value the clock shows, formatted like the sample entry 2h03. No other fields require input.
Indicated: 1h06
